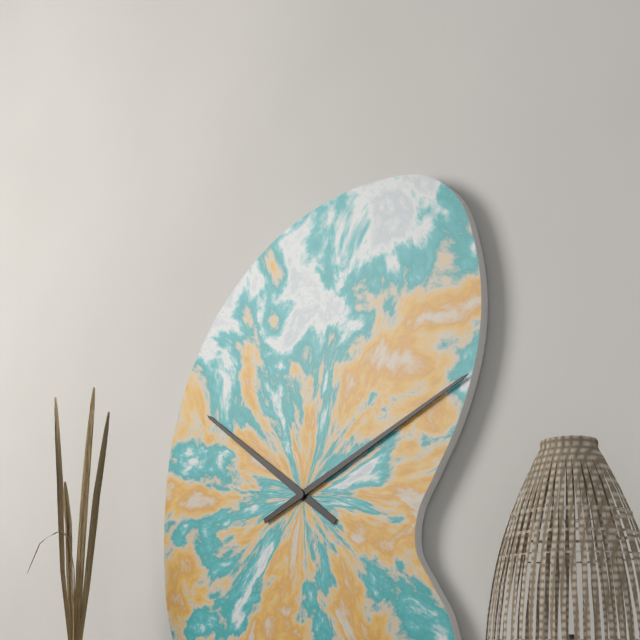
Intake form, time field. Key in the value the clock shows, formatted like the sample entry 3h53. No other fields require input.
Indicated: 10h11
